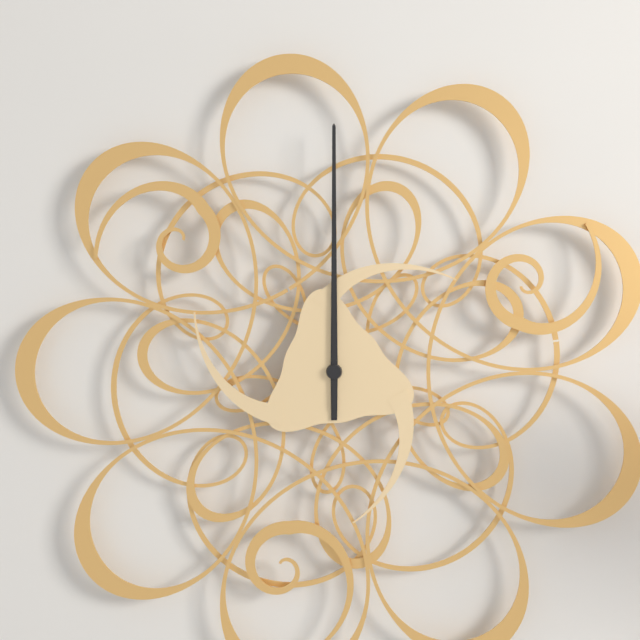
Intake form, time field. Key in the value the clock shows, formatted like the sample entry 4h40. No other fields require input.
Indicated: 12h00
